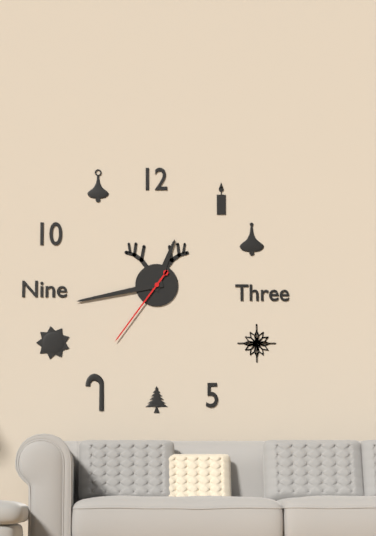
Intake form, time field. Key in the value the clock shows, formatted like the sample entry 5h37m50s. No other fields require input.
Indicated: 12h43m36s
